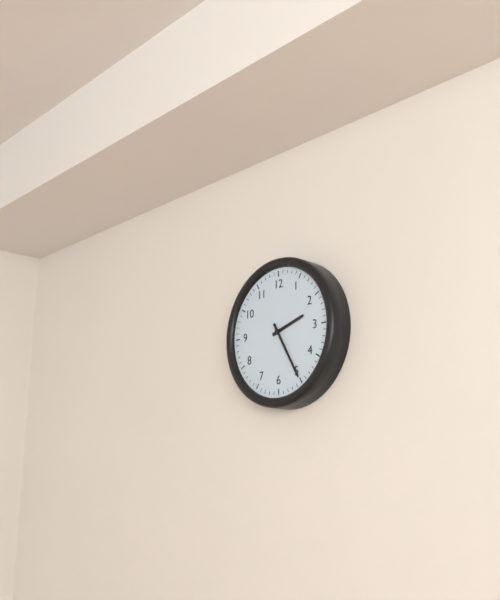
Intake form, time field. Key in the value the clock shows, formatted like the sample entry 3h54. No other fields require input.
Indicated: 2h25
